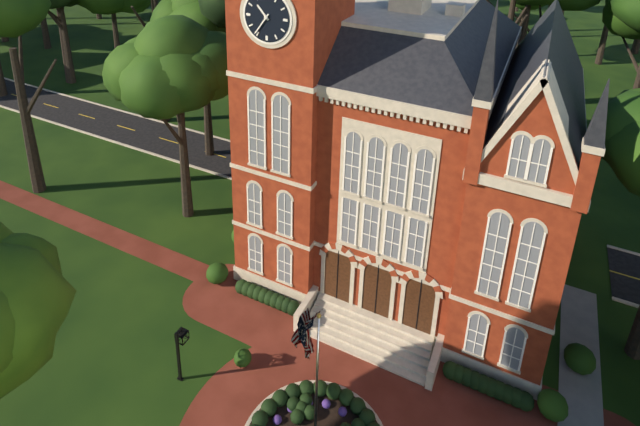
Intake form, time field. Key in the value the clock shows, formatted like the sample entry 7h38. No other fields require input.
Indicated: 10h36
